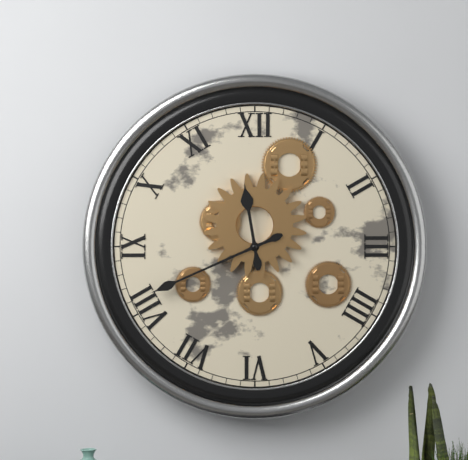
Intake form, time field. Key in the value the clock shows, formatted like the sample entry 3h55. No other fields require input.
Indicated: 11h41
